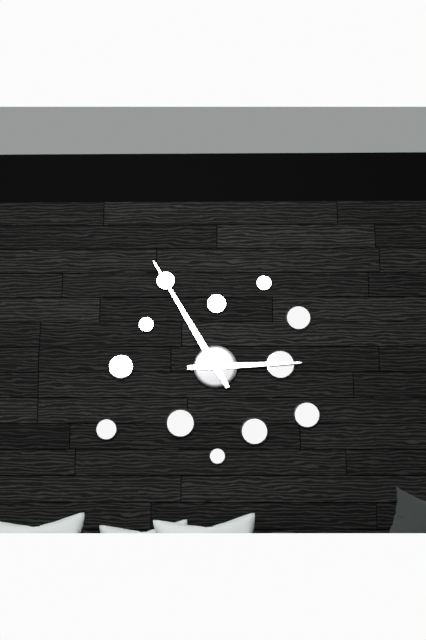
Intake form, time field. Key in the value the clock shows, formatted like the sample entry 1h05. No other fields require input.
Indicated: 2h55
